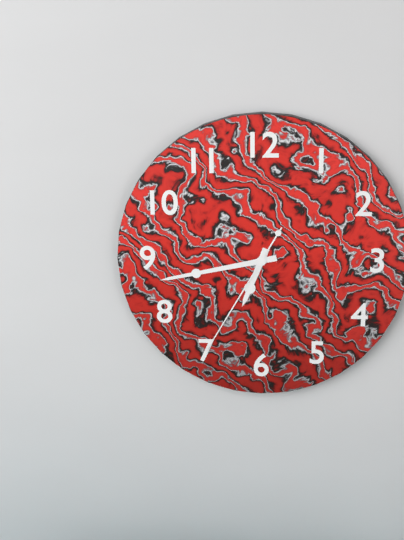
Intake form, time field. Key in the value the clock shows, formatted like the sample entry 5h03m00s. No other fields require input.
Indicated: 6h43m35s
